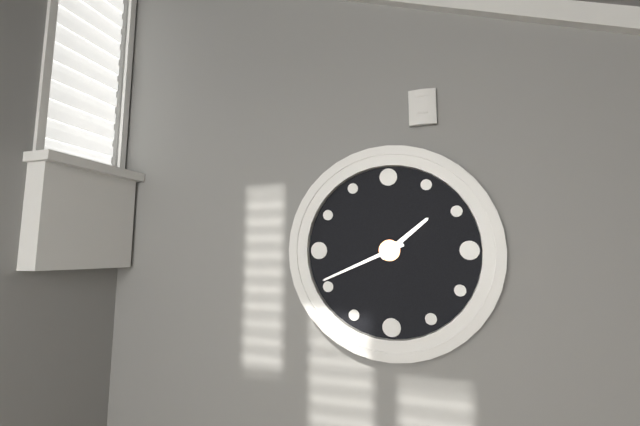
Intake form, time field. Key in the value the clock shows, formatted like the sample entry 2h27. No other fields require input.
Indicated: 1h41
